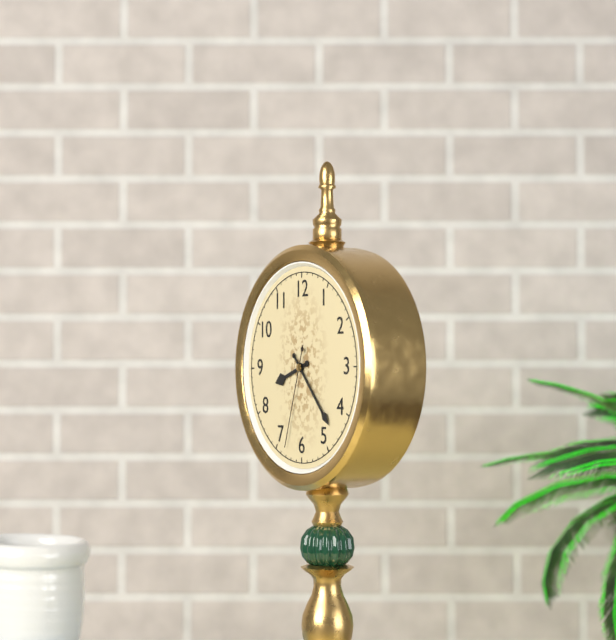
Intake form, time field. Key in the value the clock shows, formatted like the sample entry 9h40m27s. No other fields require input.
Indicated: 8h23m33s
